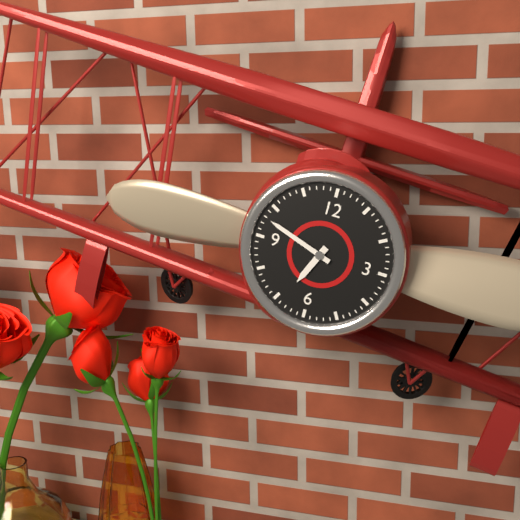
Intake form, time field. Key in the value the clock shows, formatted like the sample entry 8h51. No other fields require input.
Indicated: 6h48
